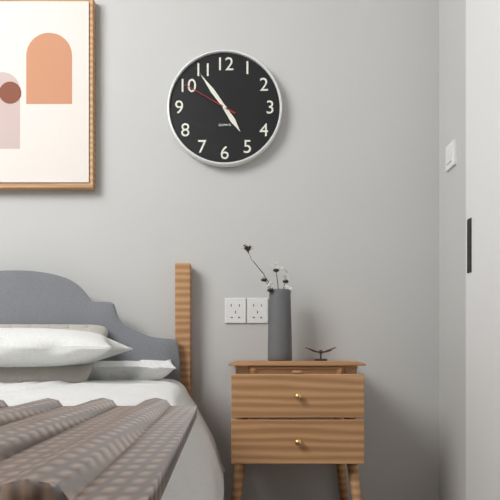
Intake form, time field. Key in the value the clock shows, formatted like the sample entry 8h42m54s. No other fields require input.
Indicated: 4h54m50s
